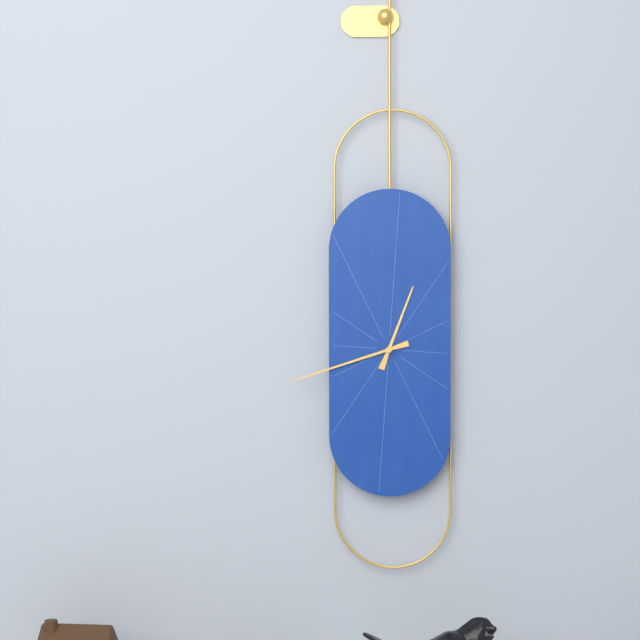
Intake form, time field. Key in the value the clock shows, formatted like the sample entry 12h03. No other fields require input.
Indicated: 12h42
